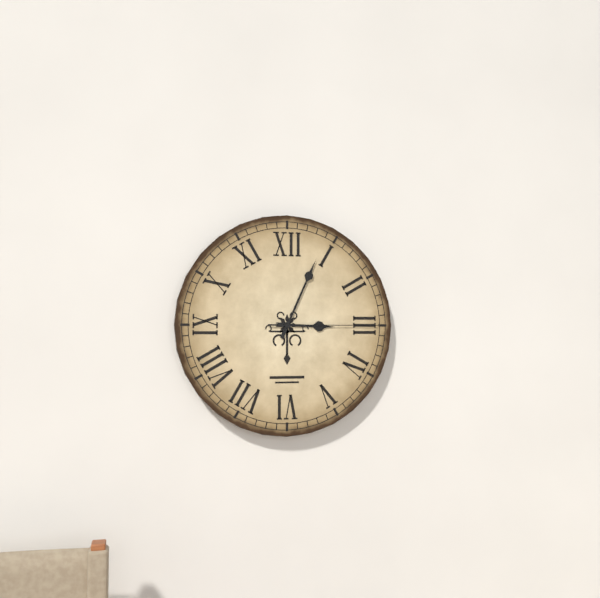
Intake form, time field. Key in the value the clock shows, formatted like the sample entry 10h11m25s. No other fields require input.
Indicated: 3h04m15s
